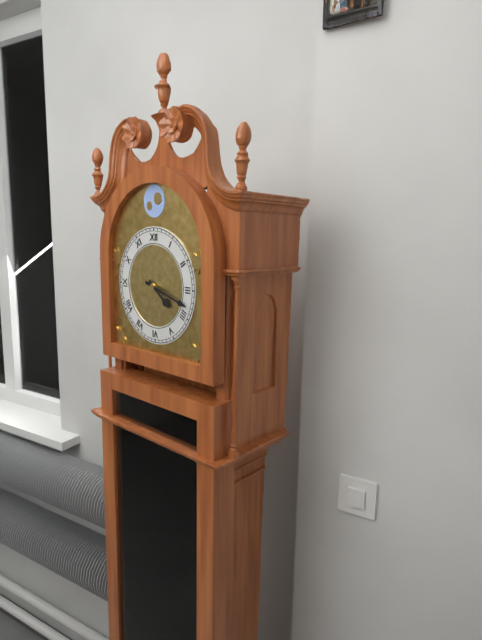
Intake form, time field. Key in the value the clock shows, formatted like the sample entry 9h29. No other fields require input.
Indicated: 4h18
